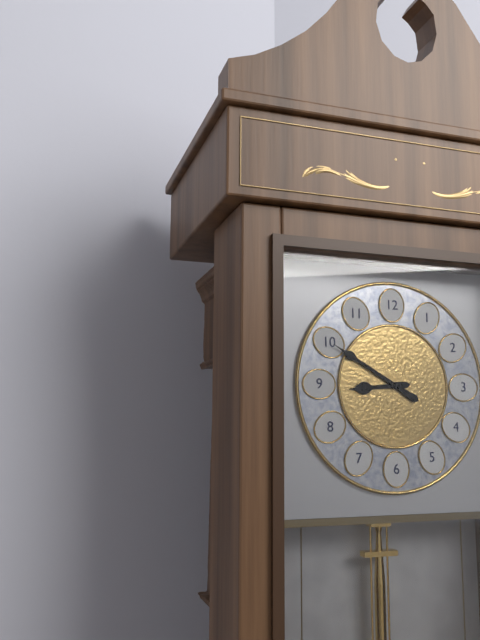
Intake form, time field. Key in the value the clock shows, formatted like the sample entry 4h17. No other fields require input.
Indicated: 8h50
